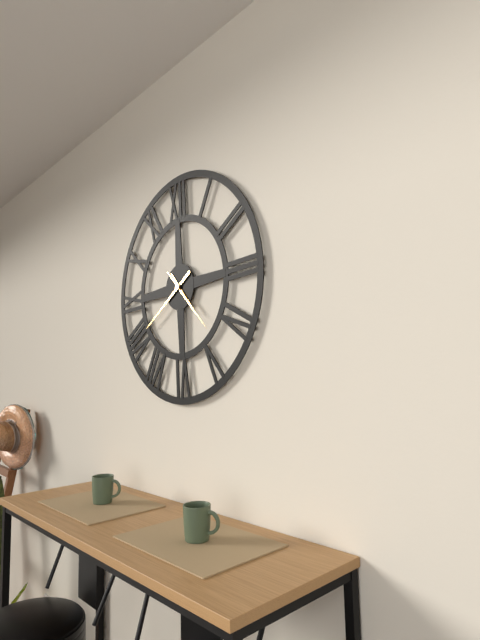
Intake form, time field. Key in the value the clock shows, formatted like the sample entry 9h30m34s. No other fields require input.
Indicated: 4h40m23s
